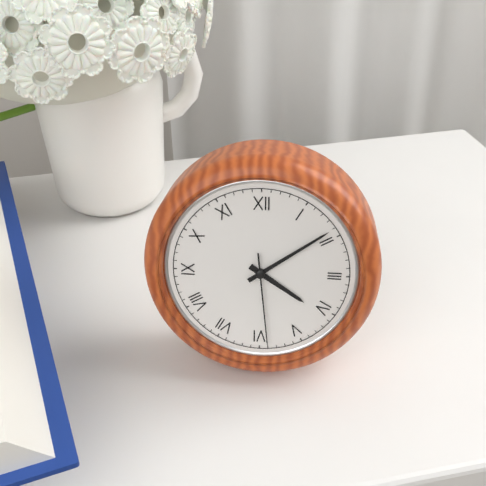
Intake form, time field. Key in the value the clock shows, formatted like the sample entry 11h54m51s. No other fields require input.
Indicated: 4h09m29s
